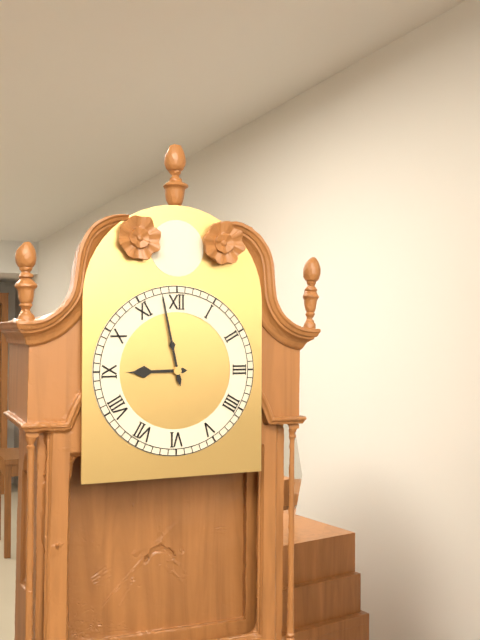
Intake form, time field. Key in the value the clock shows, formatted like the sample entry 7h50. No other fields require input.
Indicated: 8h58
